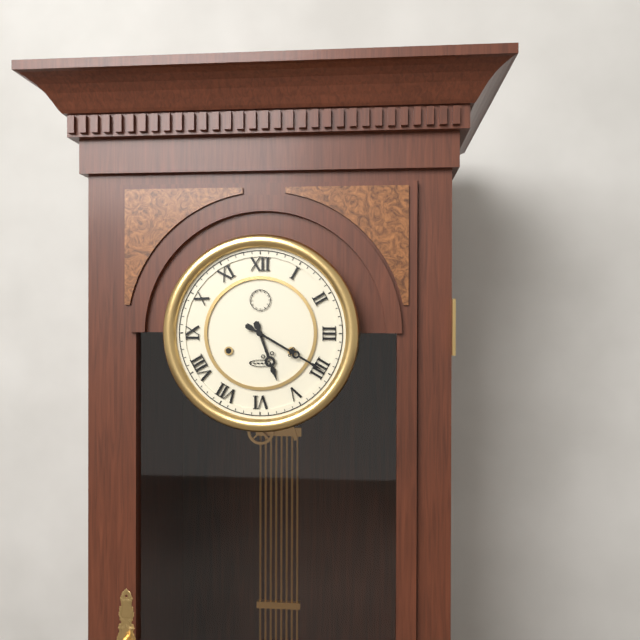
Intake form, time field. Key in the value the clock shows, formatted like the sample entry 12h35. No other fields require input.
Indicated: 5h20
